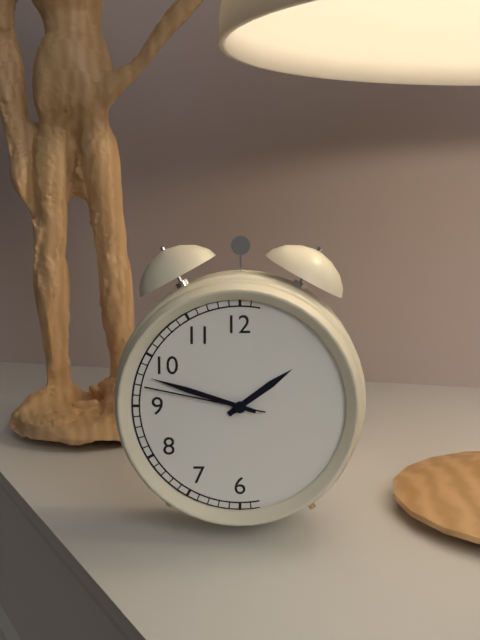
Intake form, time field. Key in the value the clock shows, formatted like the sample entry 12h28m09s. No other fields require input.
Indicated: 1h48m47s
